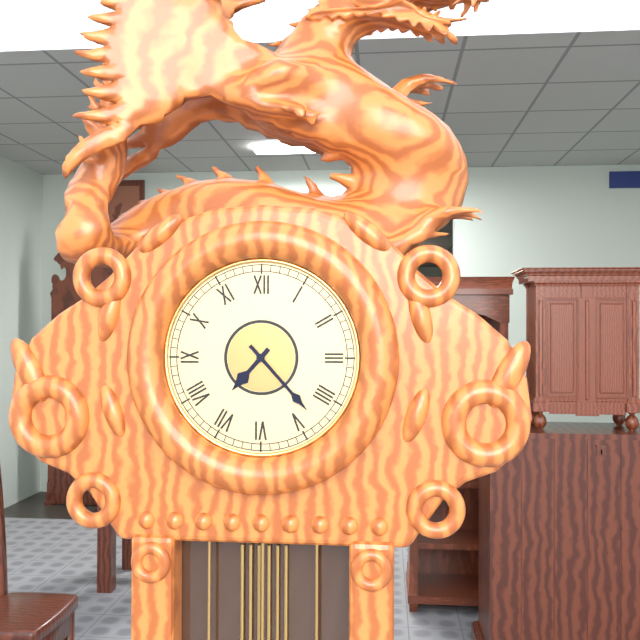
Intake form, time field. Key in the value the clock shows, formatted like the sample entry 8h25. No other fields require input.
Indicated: 7h23
